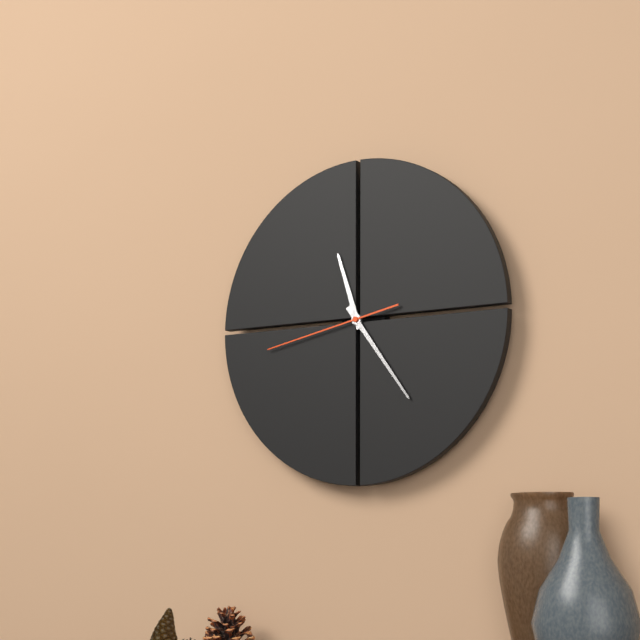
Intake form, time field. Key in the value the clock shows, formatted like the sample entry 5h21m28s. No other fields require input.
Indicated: 11h24m43s
